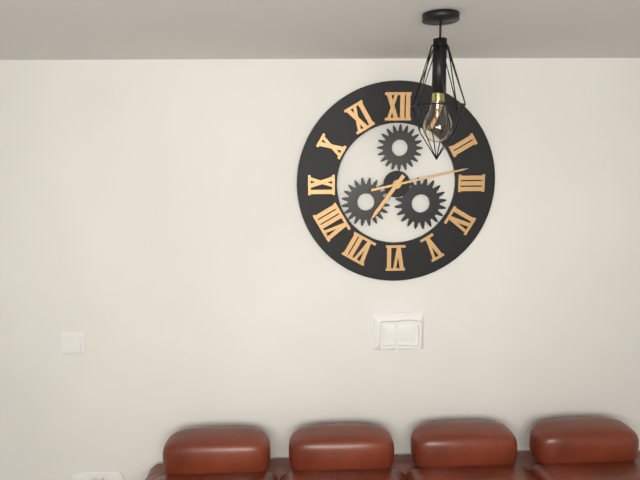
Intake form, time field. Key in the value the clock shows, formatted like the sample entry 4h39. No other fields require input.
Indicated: 7h13
